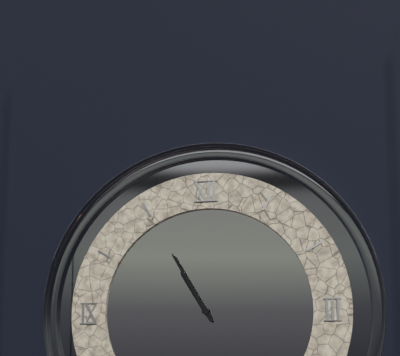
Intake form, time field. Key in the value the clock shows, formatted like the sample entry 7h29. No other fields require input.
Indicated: 10h55
